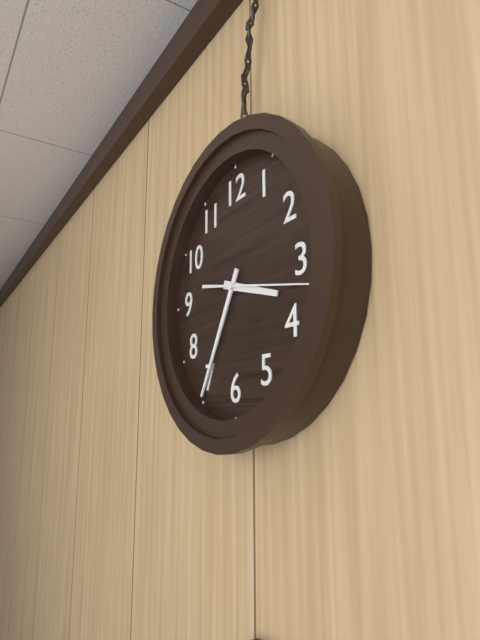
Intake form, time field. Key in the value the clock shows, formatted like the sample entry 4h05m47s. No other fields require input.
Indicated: 3h35m17s
